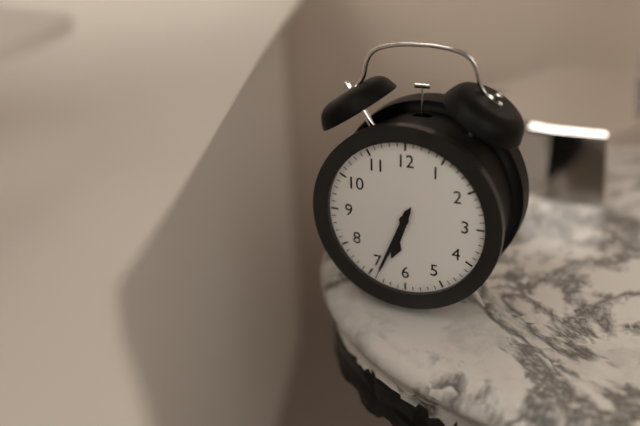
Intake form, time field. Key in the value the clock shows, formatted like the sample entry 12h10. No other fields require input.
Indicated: 6h34
